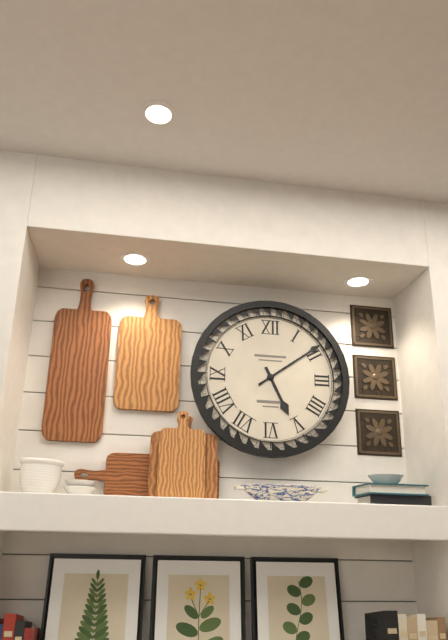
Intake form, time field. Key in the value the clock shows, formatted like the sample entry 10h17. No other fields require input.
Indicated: 5h09
